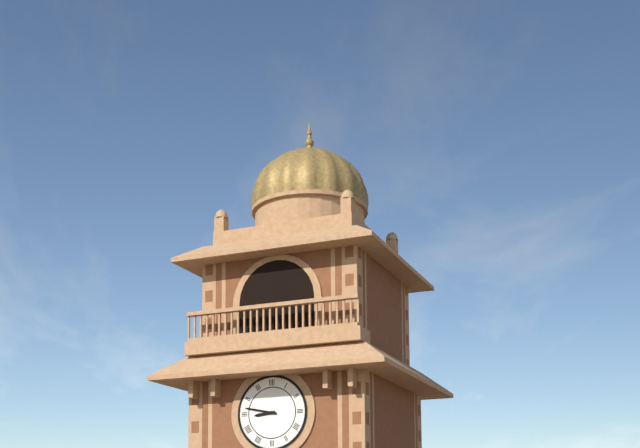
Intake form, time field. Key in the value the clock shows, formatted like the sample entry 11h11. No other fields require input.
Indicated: 8h47
